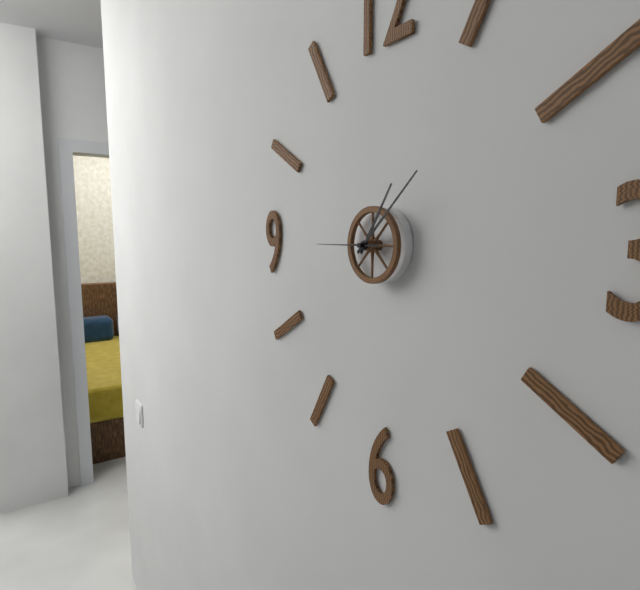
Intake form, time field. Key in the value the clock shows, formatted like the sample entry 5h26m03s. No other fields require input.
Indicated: 1h08m45s
